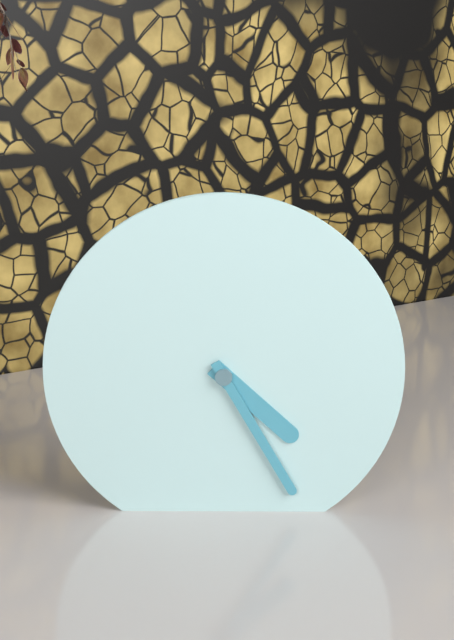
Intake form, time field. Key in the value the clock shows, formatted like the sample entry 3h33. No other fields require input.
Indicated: 4h25
